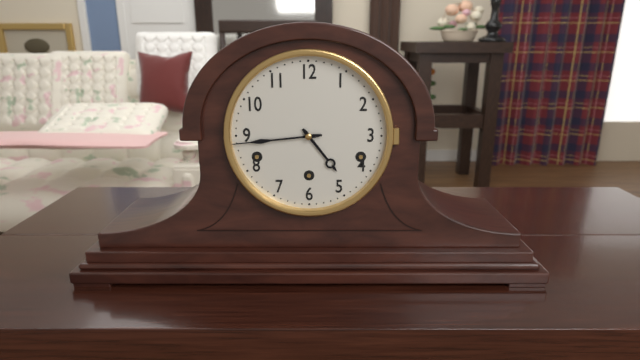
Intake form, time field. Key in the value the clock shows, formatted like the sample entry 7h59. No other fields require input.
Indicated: 4h44
